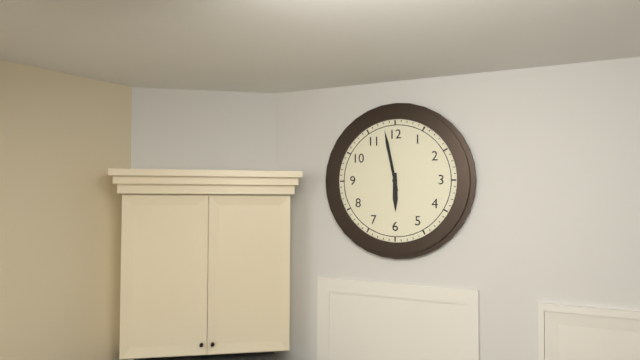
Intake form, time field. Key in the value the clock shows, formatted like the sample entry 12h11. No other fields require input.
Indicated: 5h58
